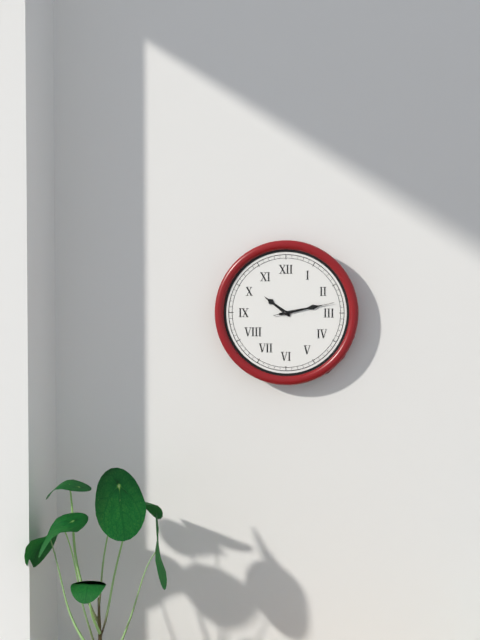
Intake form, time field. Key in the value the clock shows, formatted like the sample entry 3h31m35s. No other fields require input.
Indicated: 10h13m13s
